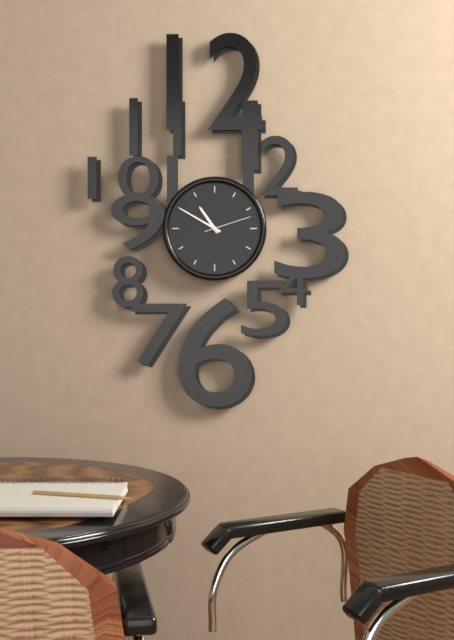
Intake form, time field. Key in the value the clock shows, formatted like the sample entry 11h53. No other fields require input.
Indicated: 10h50
